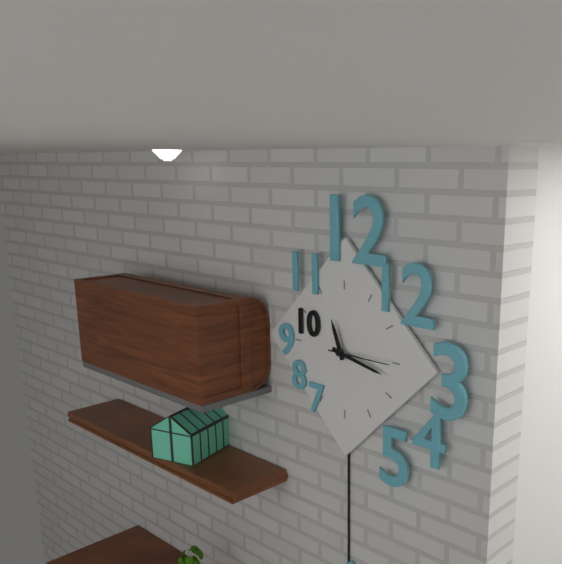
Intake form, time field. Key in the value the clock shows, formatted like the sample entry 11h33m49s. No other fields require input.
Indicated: 11h17m15s
